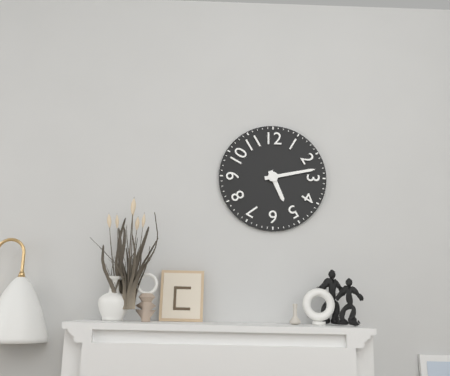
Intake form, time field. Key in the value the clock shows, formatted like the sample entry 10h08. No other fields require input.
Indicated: 5h13
